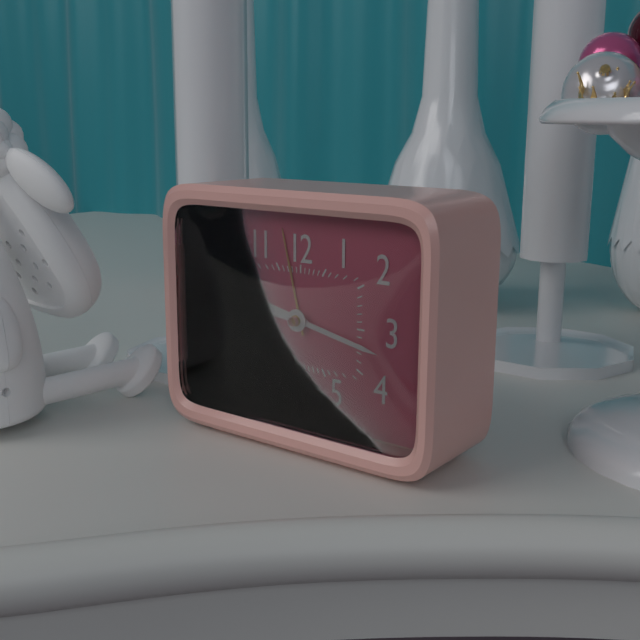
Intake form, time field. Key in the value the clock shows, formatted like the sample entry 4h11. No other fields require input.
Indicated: 9h17
